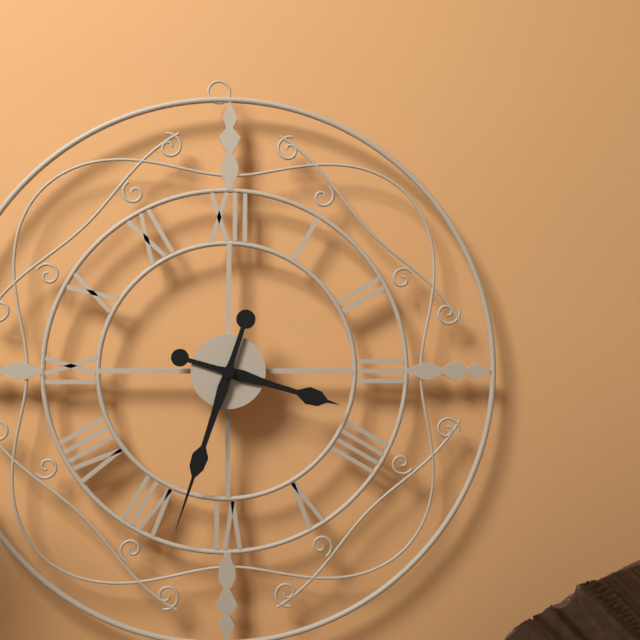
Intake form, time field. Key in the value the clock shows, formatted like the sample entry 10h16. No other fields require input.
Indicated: 3h33
